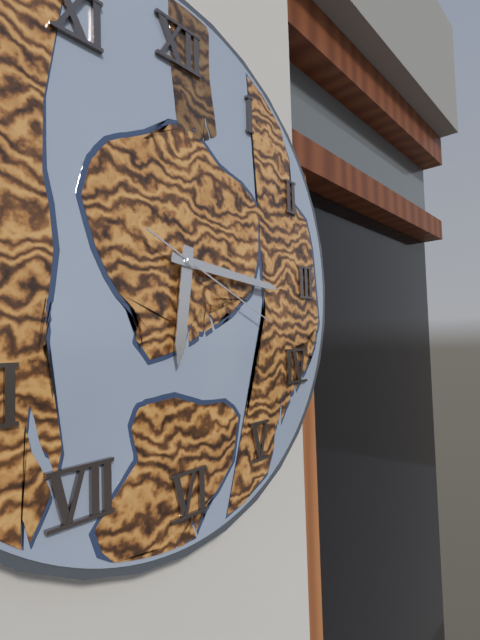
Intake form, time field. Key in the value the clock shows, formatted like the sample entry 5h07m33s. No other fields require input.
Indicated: 6h16m19s
